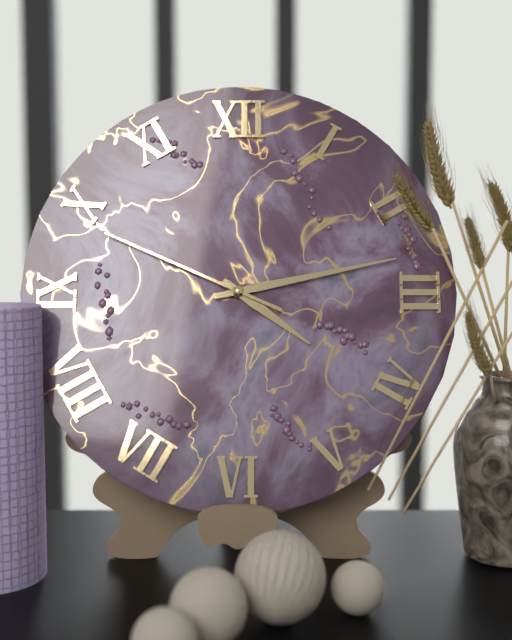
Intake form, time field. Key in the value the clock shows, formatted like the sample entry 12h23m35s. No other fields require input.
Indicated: 4h13m49s
